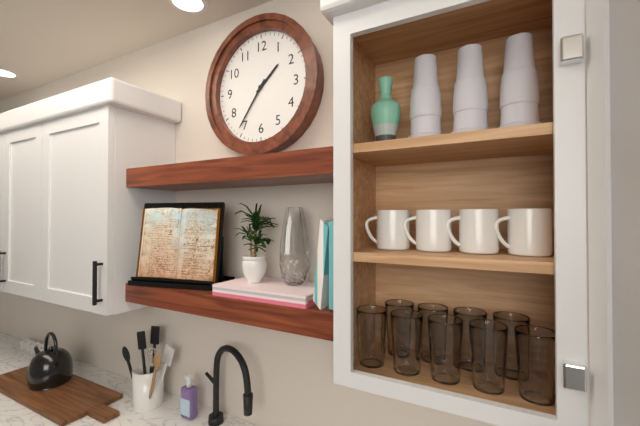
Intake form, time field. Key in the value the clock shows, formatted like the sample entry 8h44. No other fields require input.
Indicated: 1h36
